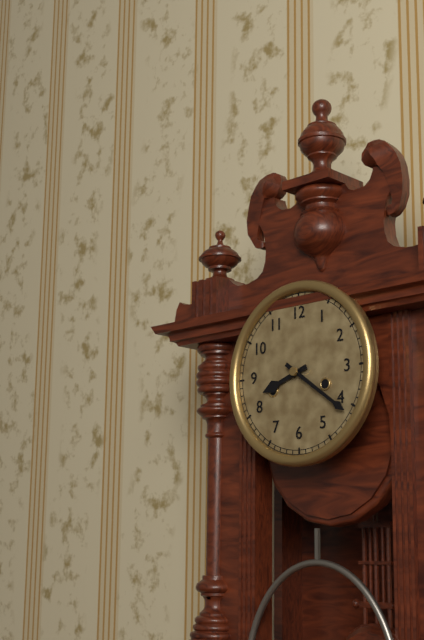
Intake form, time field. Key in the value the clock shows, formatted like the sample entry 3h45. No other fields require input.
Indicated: 8h21
